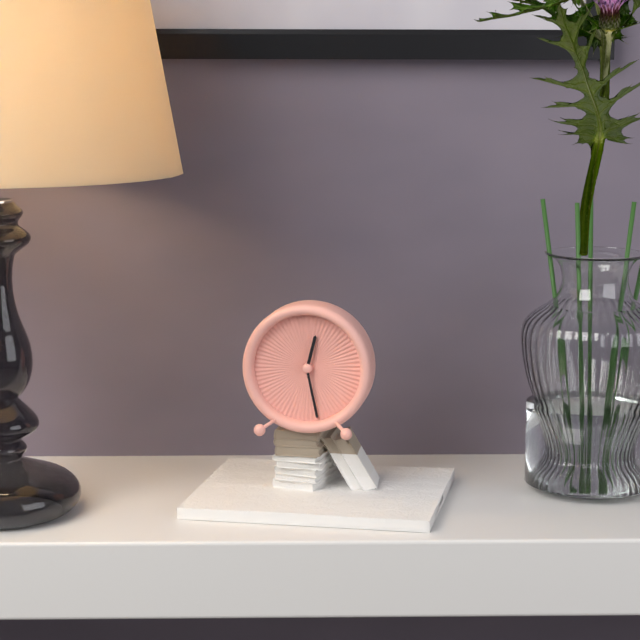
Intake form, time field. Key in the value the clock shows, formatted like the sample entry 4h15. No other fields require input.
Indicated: 12h28
